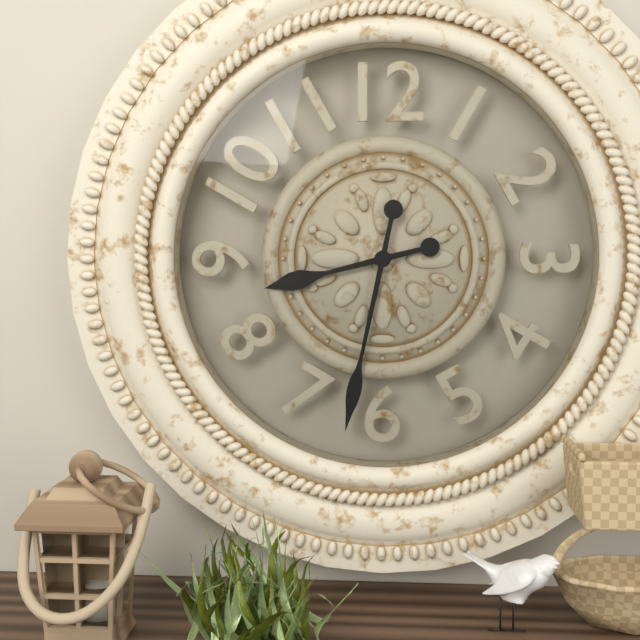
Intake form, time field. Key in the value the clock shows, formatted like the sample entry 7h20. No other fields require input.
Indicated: 8h32
